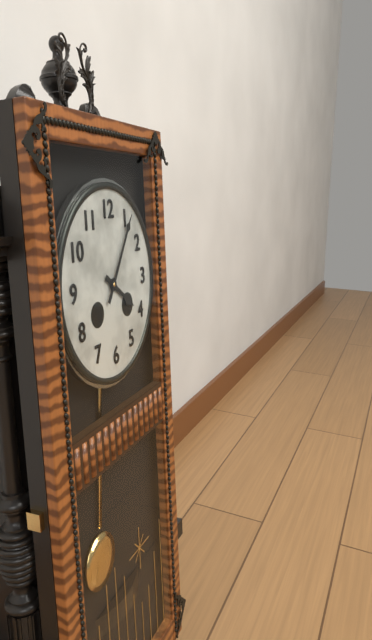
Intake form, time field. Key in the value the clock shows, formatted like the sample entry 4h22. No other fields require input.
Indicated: 4h06
